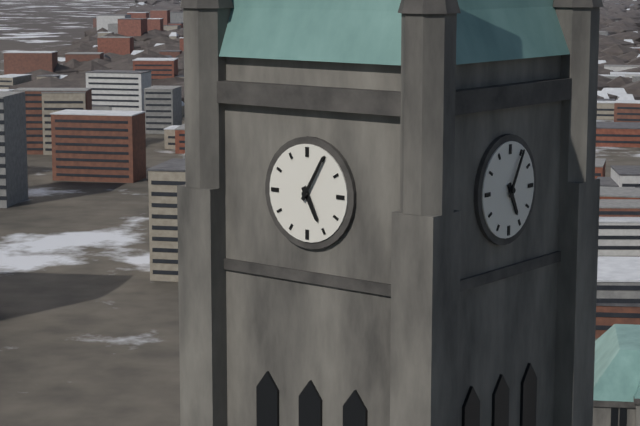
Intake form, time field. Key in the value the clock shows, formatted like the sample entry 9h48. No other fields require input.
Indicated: 5h05
